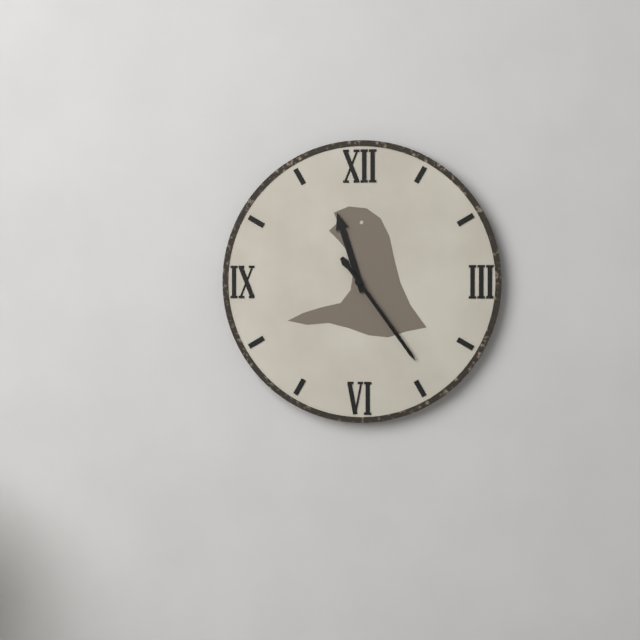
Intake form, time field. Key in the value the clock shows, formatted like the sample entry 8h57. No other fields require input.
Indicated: 11h24
